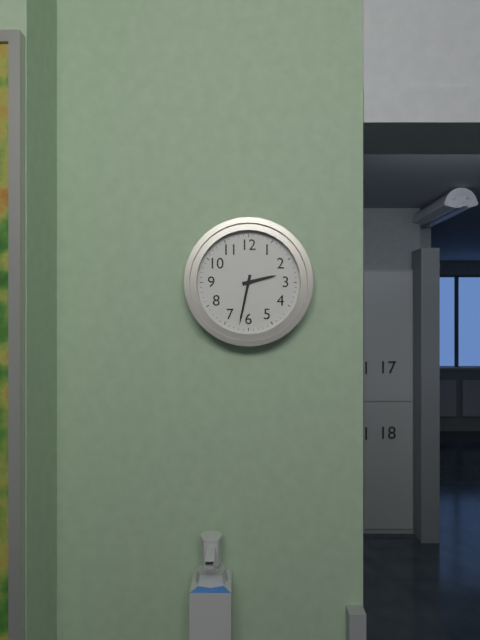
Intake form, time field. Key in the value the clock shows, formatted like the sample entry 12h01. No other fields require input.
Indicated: 2h32
